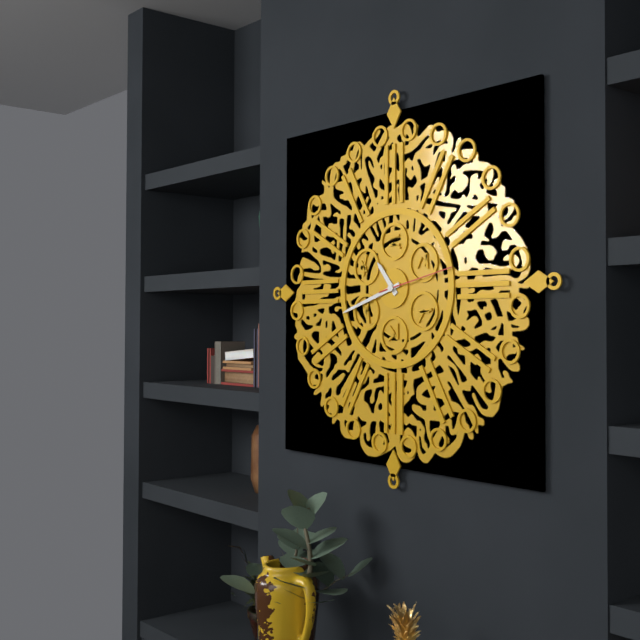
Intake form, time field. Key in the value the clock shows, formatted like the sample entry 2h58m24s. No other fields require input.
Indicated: 10h42m13s
